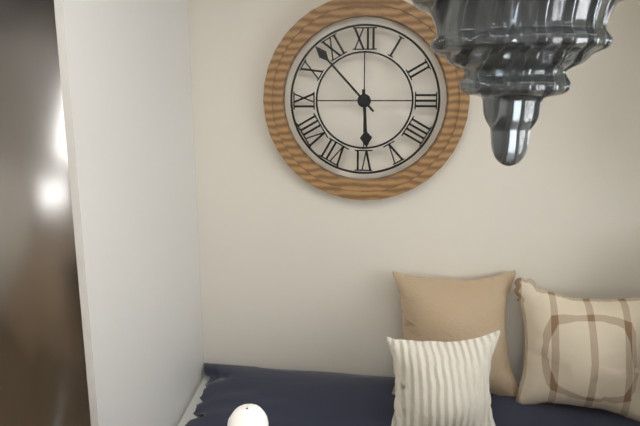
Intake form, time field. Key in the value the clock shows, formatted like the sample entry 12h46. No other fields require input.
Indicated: 5h53
